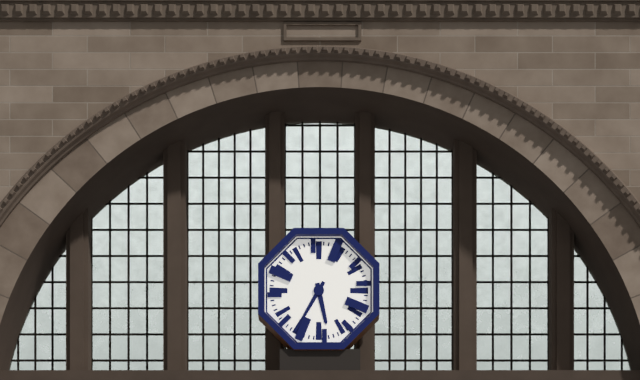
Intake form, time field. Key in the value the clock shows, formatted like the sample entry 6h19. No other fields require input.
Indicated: 5h35
